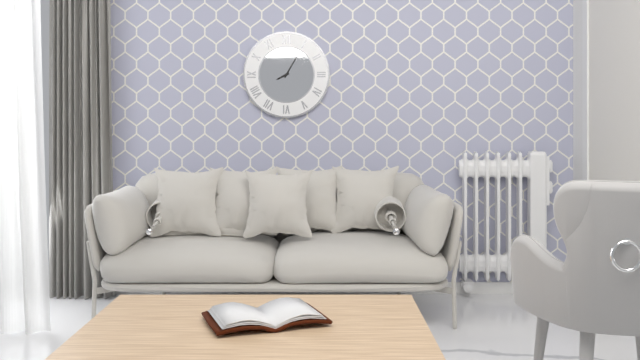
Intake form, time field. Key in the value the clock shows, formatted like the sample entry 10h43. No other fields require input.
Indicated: 8h05
